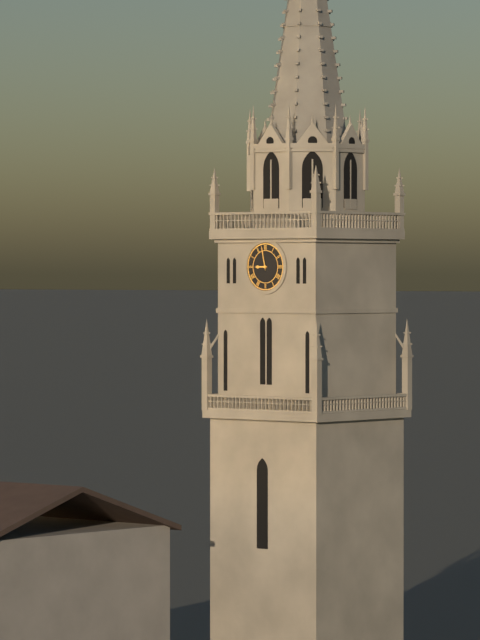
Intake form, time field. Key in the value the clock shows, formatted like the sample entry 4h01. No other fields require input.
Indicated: 8h58
